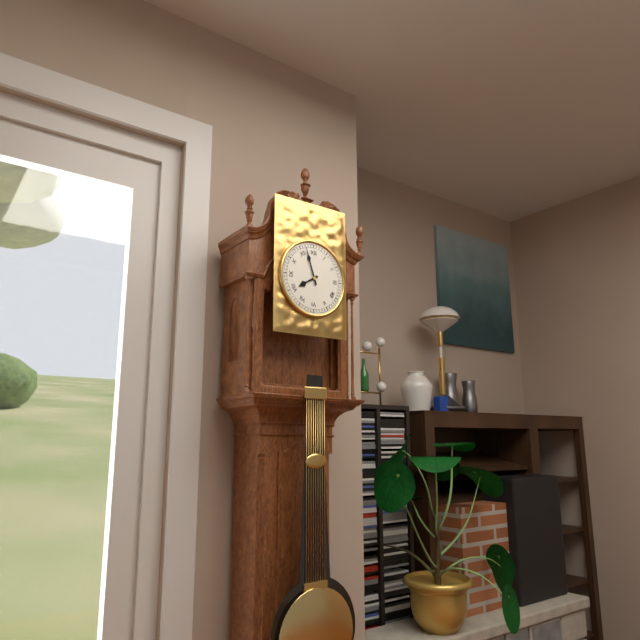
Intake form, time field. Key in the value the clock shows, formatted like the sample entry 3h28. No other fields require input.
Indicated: 7h57
